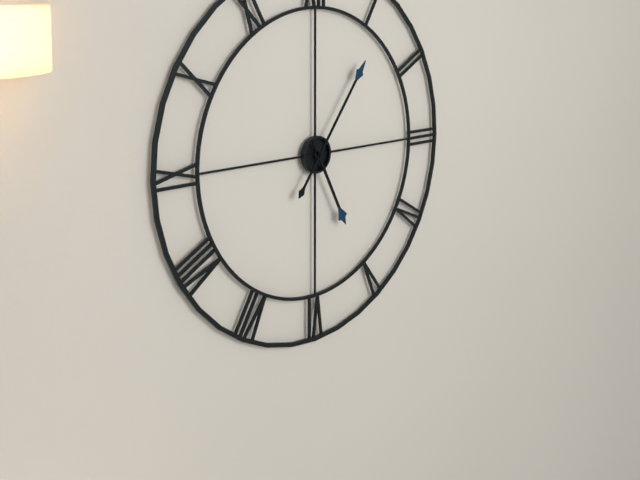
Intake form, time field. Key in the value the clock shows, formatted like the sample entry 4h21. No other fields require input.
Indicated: 5h06
